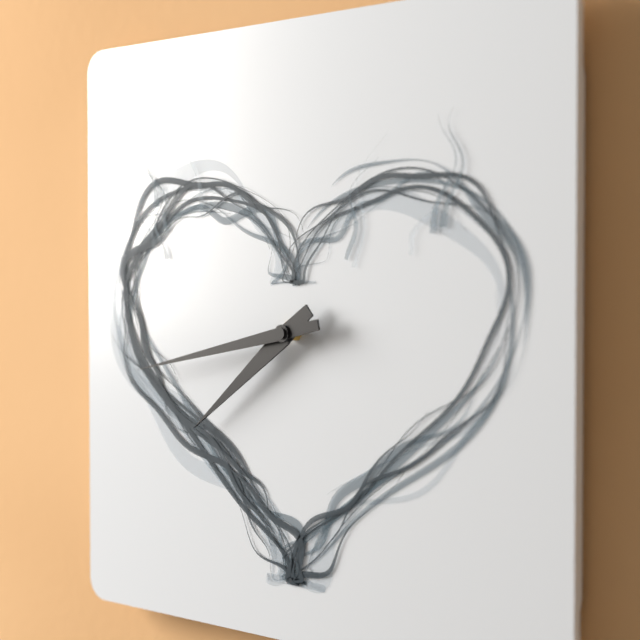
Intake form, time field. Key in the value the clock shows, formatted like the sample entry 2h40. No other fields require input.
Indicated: 7h43
